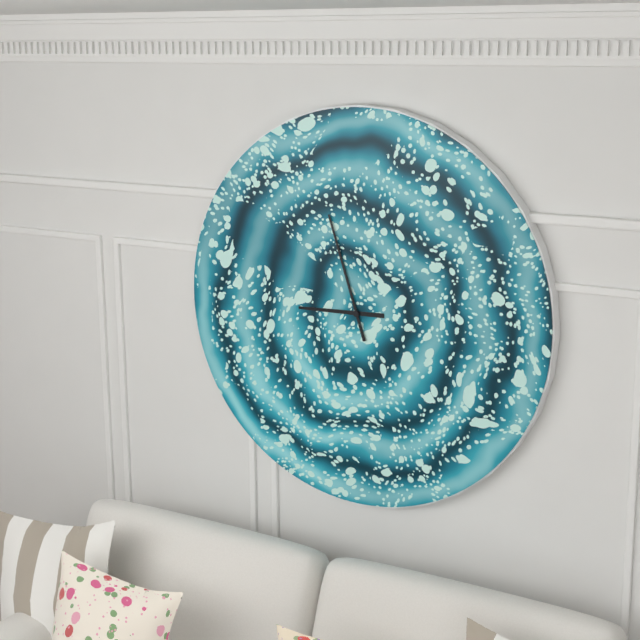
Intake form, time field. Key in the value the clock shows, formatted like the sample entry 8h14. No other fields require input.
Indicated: 8h57
